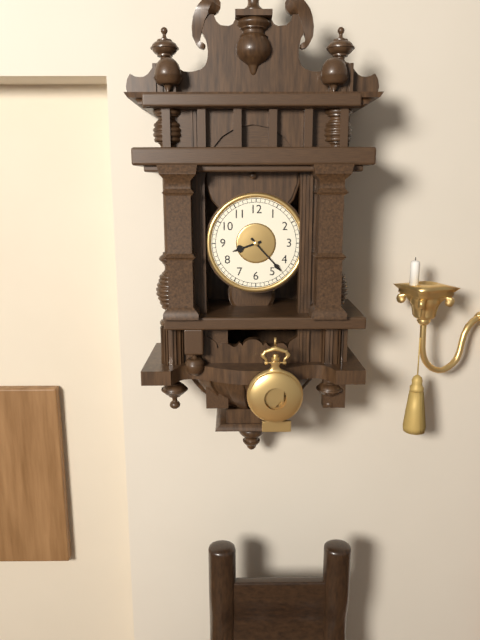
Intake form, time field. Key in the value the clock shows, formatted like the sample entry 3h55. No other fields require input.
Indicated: 8h23
